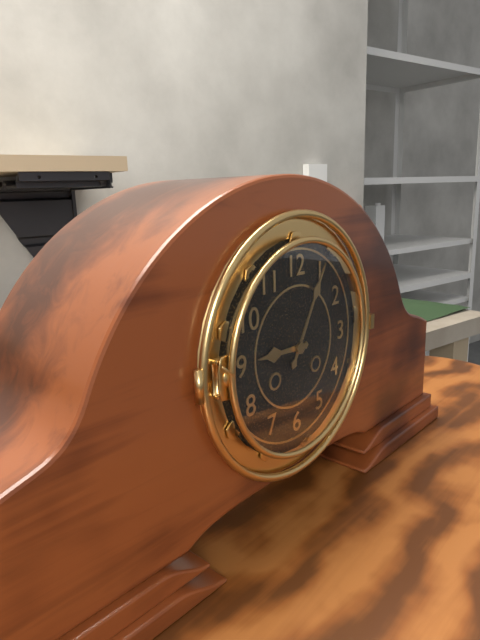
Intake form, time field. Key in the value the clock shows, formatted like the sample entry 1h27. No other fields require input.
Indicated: 9h05
